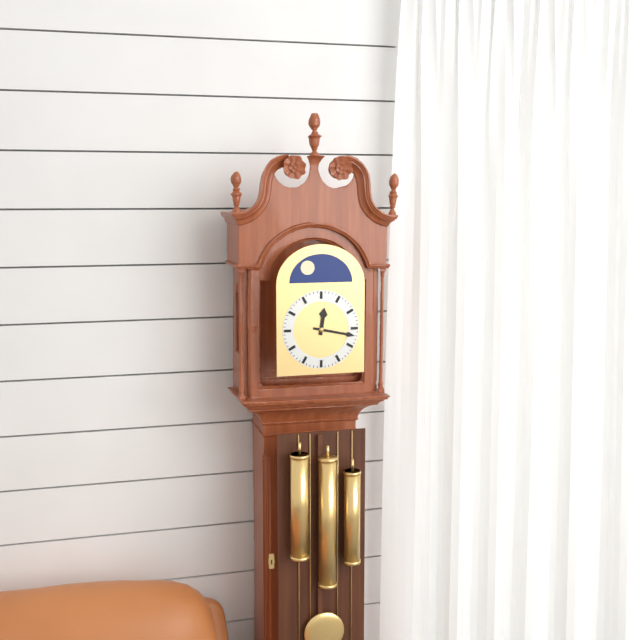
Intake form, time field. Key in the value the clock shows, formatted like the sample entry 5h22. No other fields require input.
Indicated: 12h17
